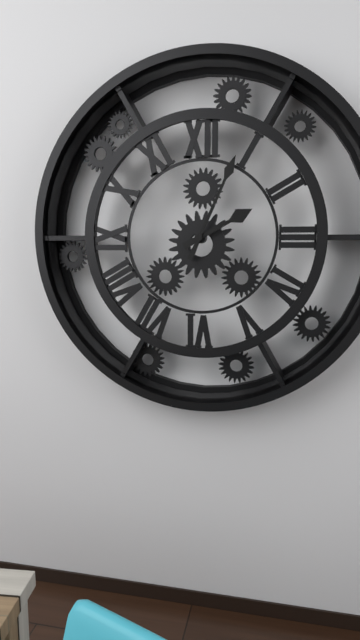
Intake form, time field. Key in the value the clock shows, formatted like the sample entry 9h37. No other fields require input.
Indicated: 2h04
